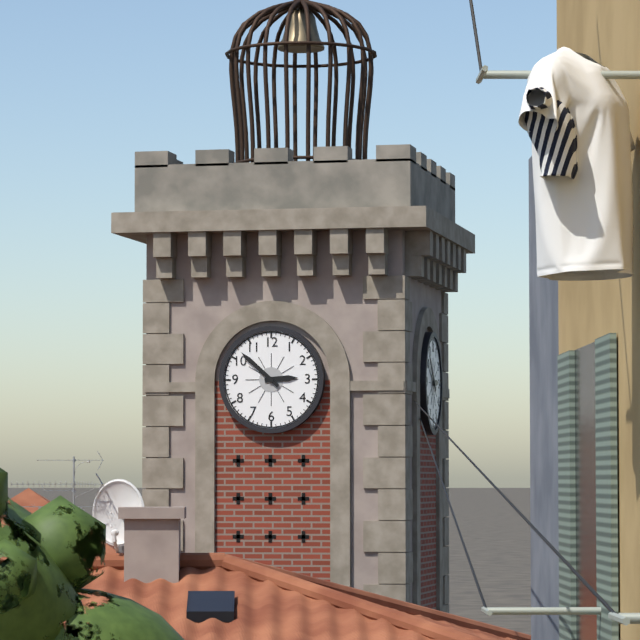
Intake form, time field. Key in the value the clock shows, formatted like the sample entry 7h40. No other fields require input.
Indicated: 2h52
